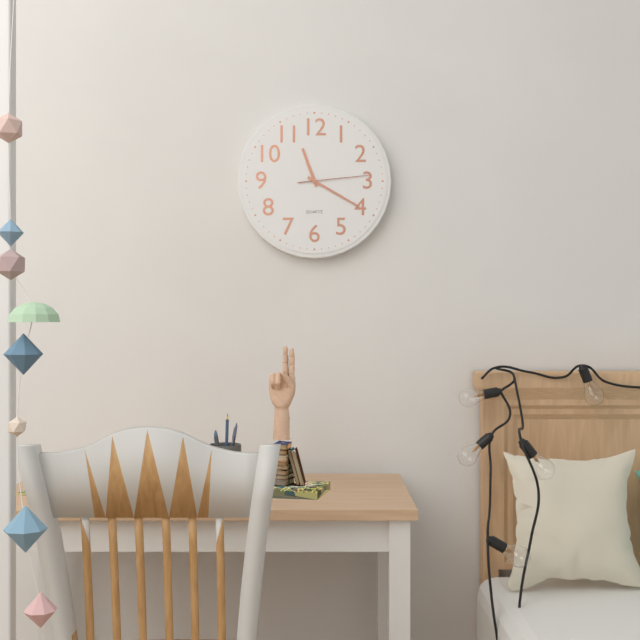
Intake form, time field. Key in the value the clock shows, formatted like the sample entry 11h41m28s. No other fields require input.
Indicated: 11h20m14s
